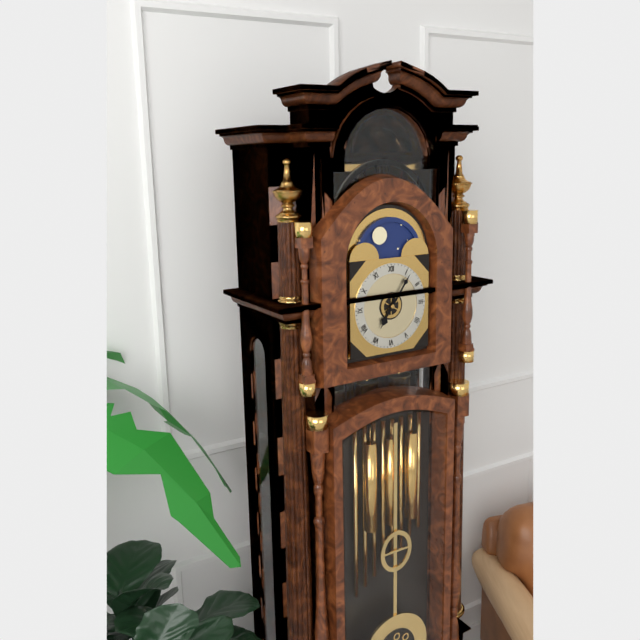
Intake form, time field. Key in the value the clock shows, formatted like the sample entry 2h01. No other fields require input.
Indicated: 7h06
